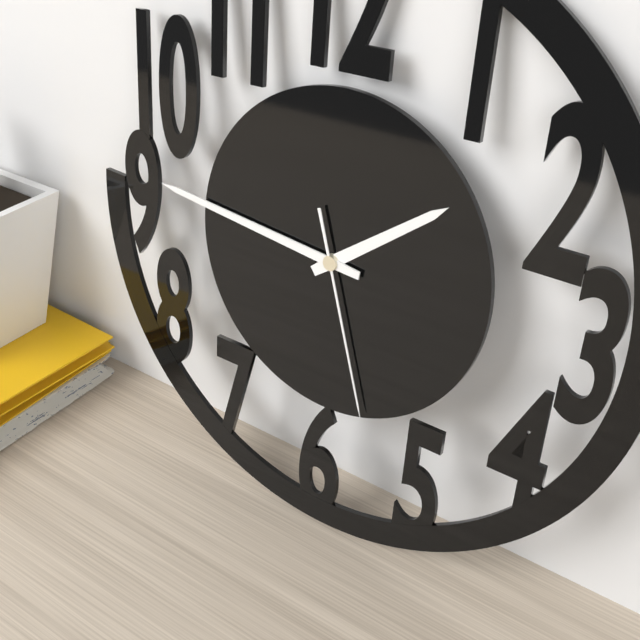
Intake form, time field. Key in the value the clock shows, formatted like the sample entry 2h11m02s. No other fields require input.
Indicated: 1h46m27s
